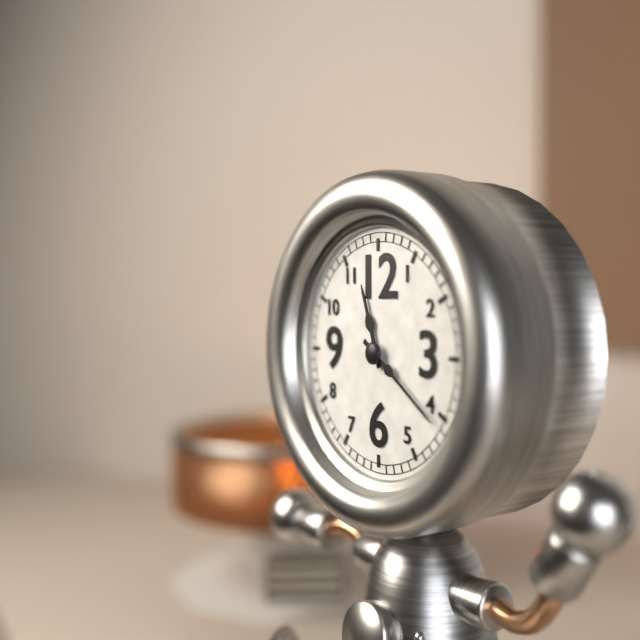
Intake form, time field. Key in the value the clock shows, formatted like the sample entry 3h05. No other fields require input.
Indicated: 11h21
